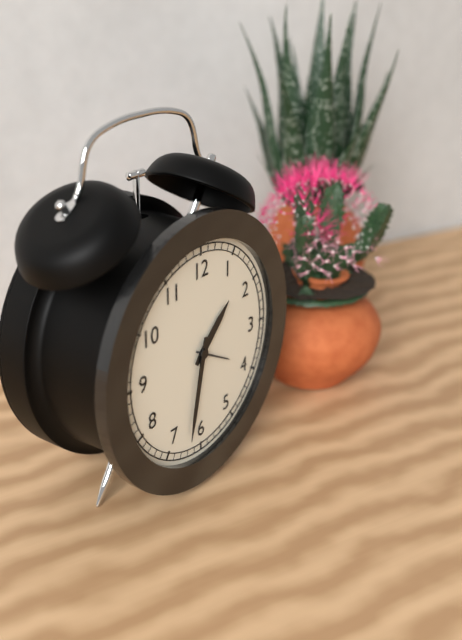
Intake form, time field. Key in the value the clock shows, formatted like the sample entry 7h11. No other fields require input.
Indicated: 1h32
